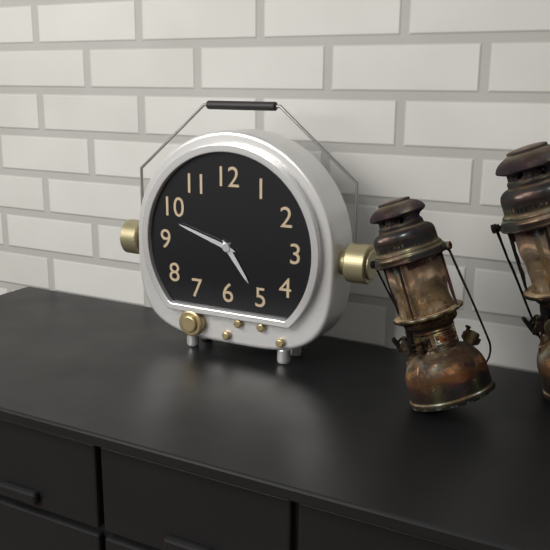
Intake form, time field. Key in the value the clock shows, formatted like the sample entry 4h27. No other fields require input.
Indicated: 4h48
